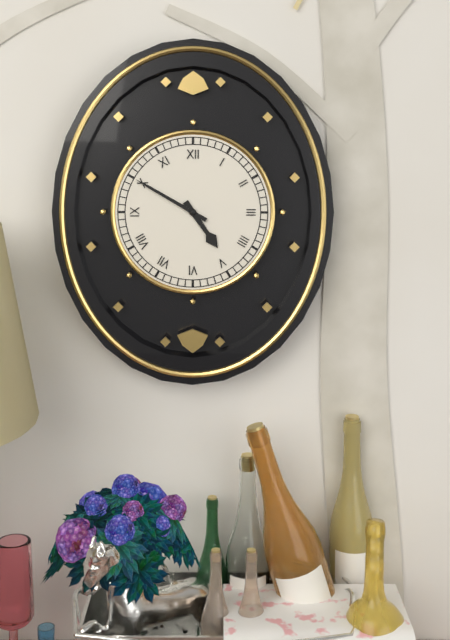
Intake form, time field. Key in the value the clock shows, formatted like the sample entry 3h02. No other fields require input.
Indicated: 4h50
